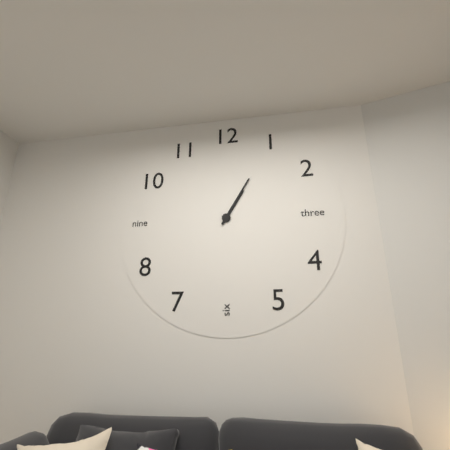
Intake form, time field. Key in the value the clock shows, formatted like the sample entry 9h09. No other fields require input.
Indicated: 1h05
